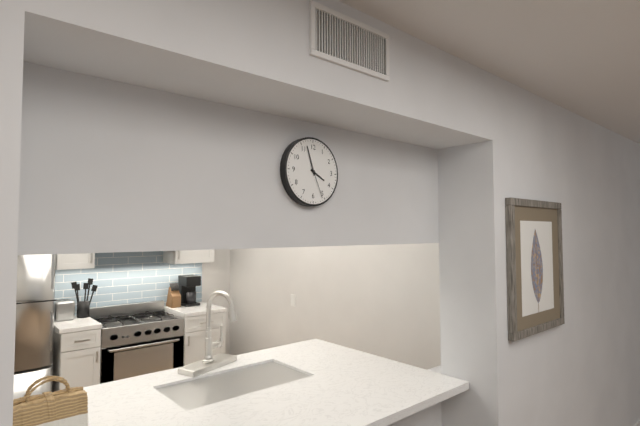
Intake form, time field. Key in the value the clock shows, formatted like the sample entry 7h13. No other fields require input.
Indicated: 3h57
